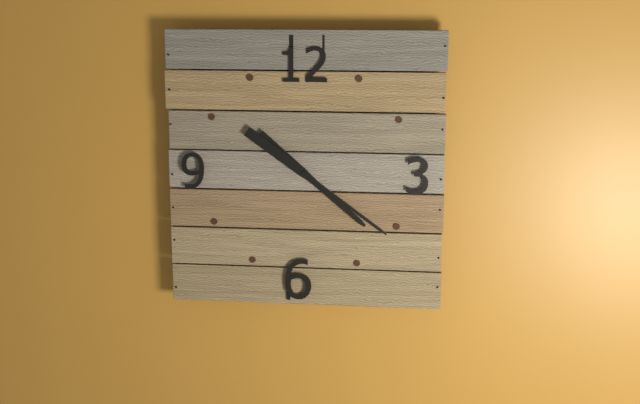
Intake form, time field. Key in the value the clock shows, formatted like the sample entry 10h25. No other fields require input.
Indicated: 4h21
